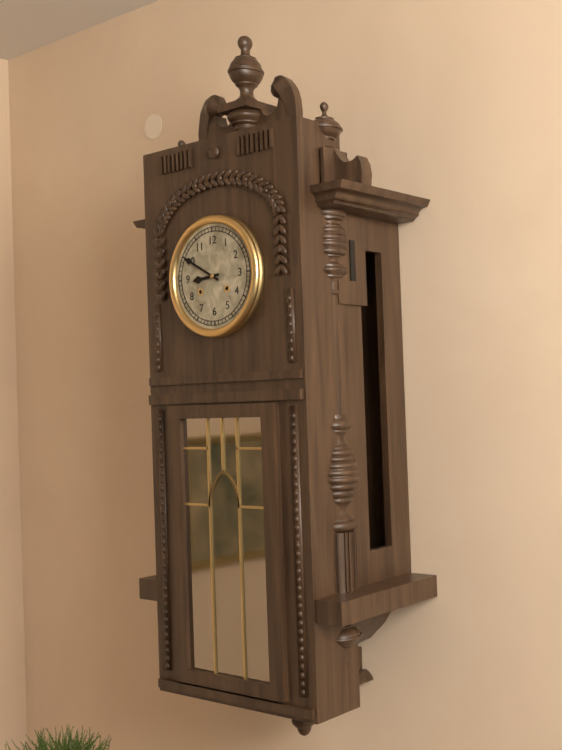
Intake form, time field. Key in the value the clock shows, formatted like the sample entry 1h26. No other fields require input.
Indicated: 8h50
